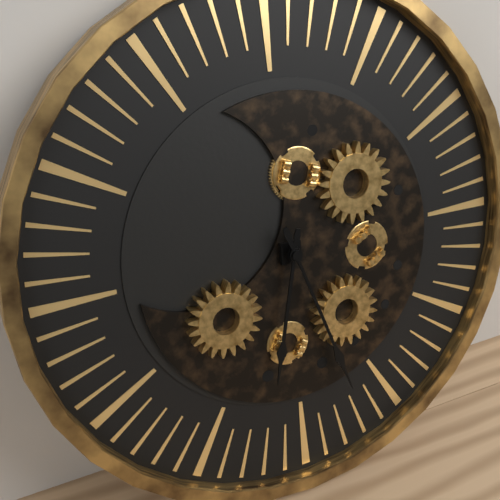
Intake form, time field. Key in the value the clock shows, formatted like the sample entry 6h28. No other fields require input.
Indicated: 6h27
